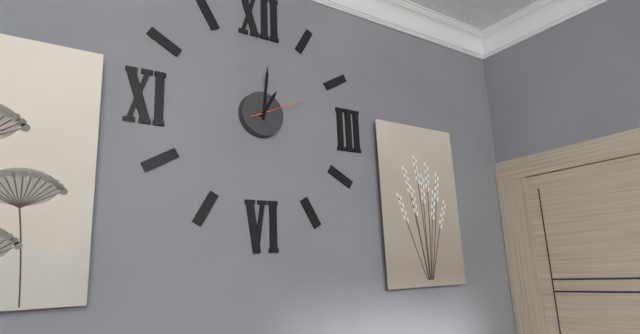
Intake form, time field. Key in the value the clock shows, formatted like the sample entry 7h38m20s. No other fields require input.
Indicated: 1h01m11s
